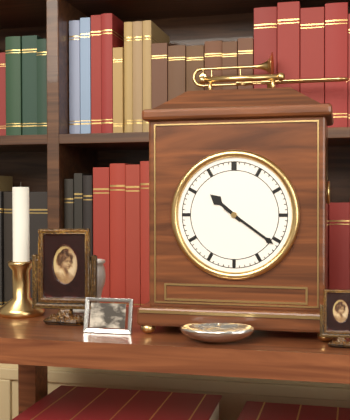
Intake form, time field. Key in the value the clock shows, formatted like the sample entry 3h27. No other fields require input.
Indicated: 10h21
